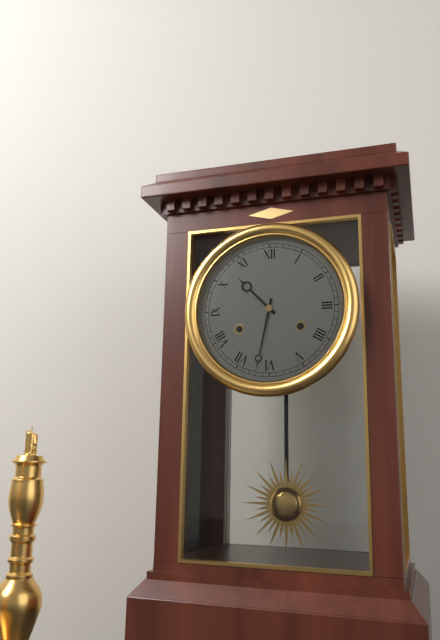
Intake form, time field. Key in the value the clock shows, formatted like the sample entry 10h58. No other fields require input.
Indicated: 10h32
